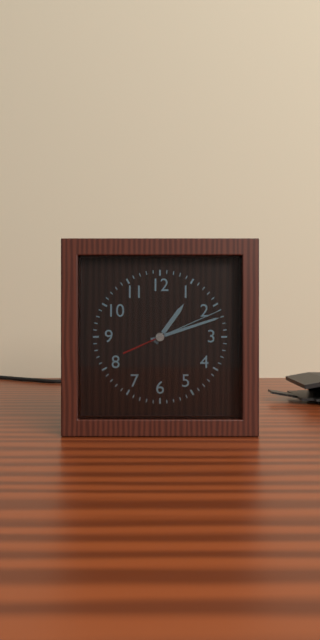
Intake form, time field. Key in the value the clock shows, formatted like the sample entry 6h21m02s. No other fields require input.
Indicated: 1h12m11s
